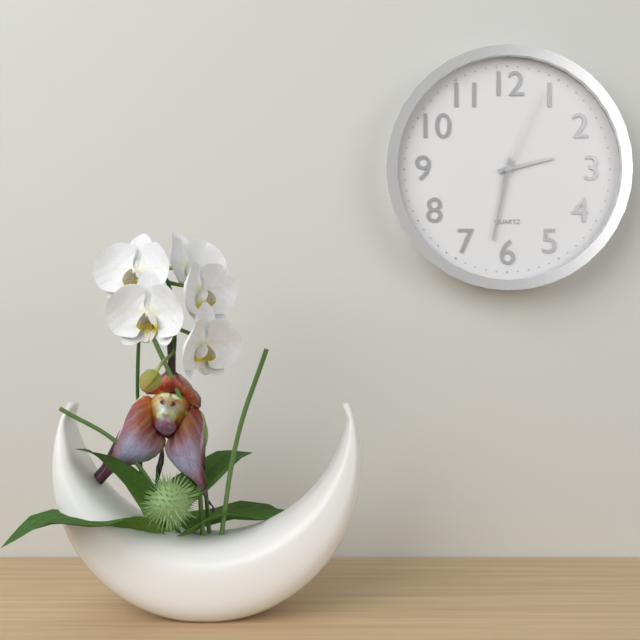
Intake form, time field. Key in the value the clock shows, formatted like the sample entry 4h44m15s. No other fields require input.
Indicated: 2h32m04s
